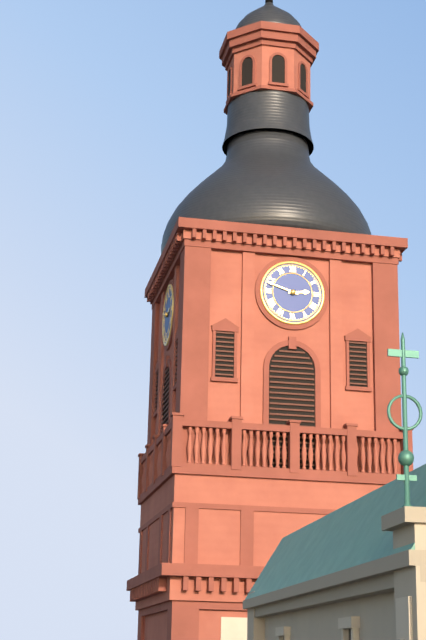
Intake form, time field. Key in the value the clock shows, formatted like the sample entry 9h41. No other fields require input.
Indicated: 2h48
